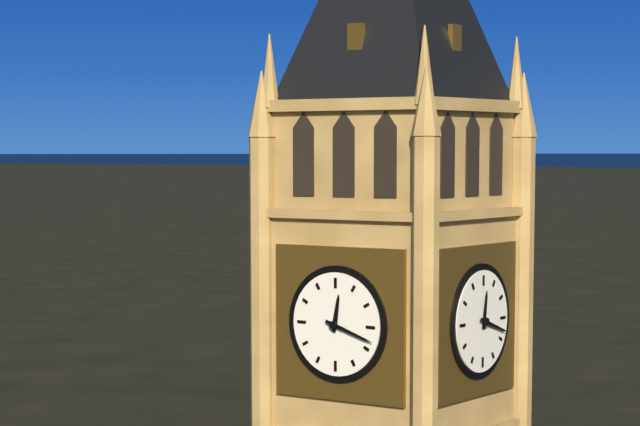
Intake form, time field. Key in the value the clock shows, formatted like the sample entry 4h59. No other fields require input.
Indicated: 12h18
